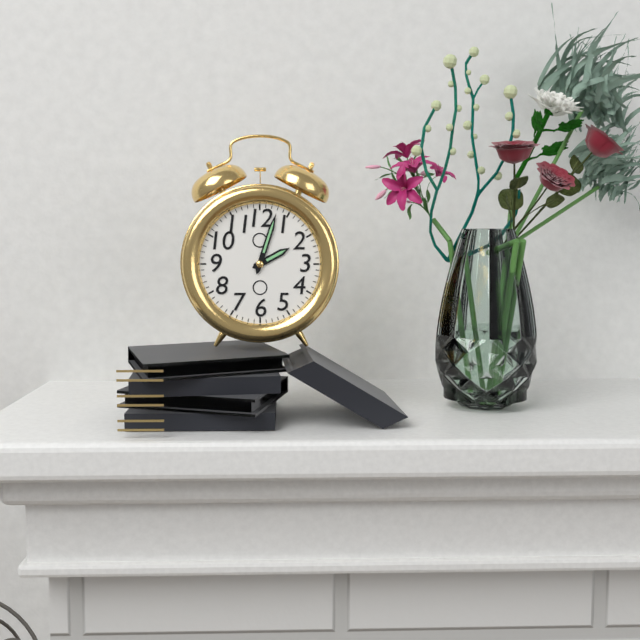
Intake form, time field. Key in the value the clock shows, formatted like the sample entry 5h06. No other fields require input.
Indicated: 2h03
